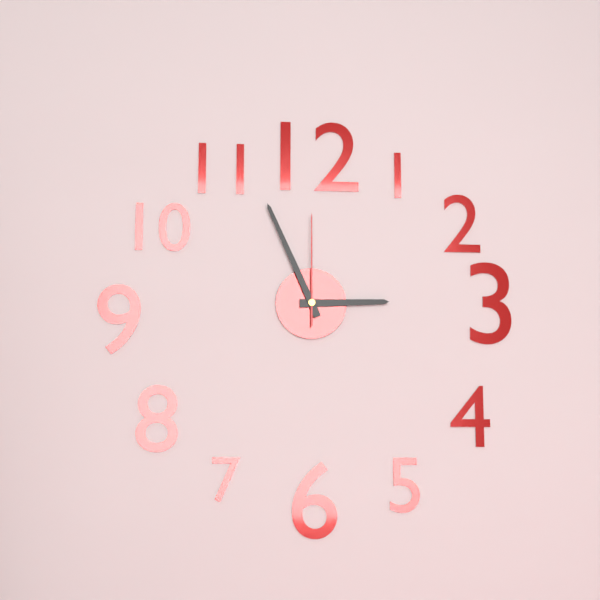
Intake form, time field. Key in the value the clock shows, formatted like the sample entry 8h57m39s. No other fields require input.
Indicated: 2h56m00s
